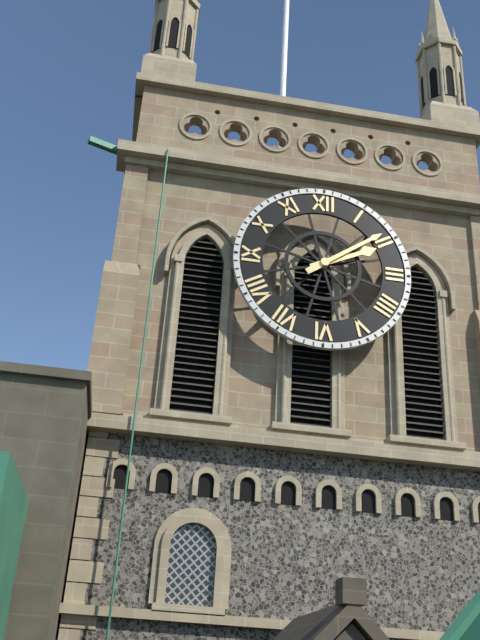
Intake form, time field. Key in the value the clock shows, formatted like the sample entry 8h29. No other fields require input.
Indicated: 2h09
